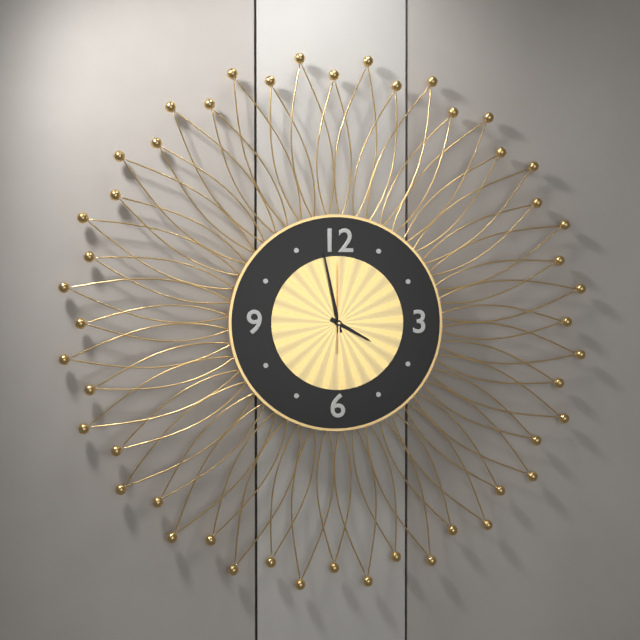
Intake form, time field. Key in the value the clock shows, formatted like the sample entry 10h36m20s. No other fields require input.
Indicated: 3h58m00s
